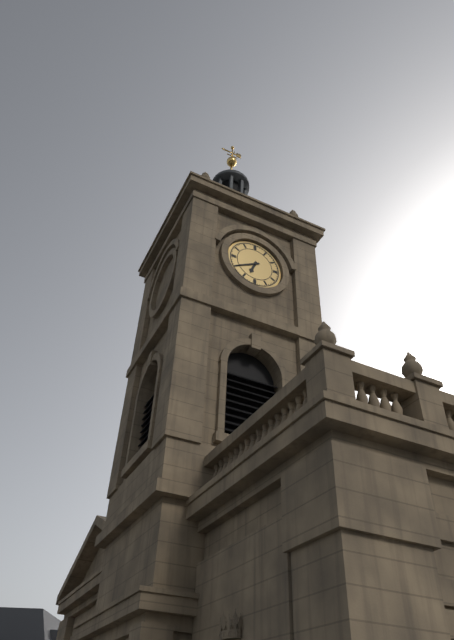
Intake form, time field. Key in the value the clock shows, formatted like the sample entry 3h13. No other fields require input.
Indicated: 6h40
